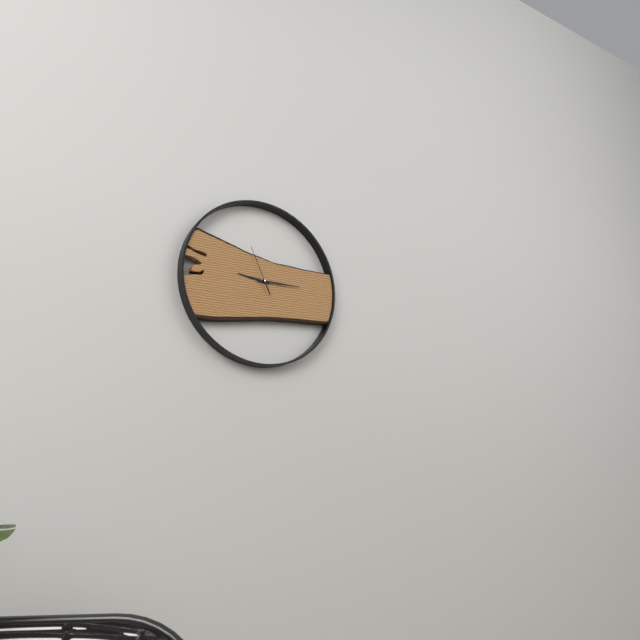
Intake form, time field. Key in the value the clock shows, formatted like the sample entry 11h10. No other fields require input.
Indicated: 9h15
